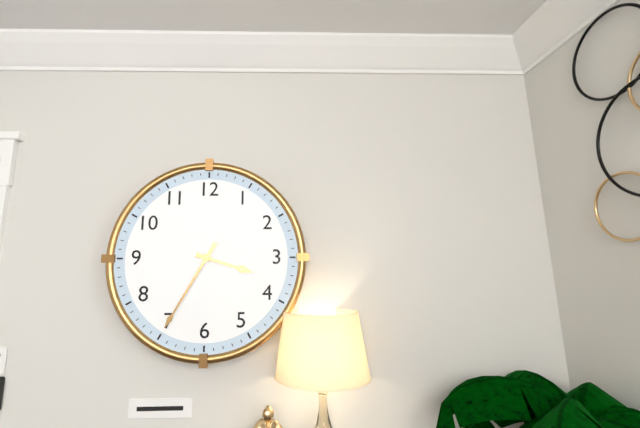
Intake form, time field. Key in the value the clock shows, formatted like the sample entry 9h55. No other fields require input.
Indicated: 3h35
